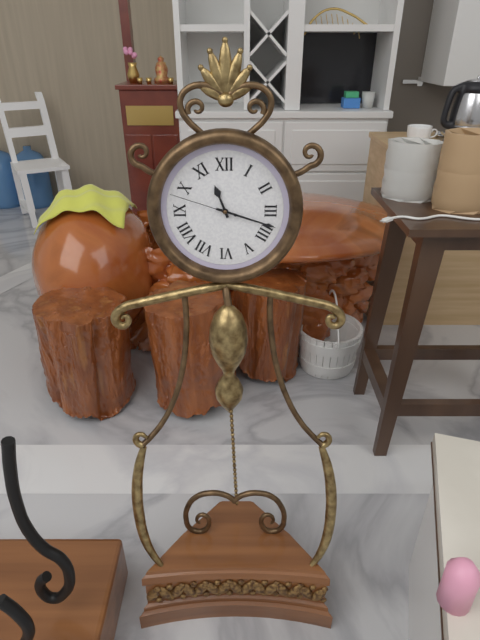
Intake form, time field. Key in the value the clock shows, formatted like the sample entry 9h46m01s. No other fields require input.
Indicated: 11h18m48s
